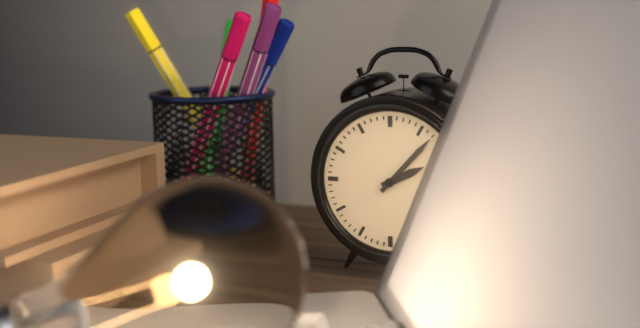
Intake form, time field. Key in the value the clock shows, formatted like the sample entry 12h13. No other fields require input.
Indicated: 2h07
